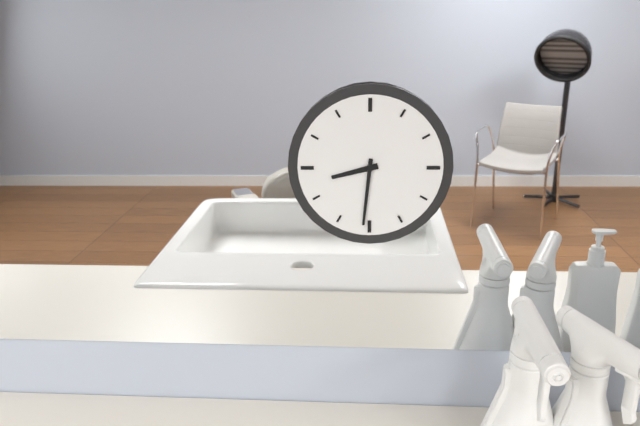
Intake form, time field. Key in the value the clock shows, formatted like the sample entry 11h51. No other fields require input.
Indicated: 8h31
